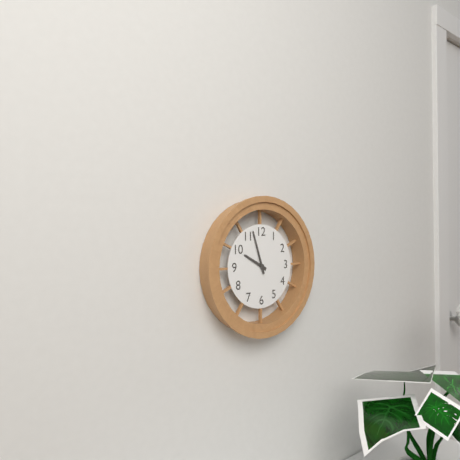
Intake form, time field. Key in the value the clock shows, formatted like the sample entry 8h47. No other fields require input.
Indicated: 9h57
